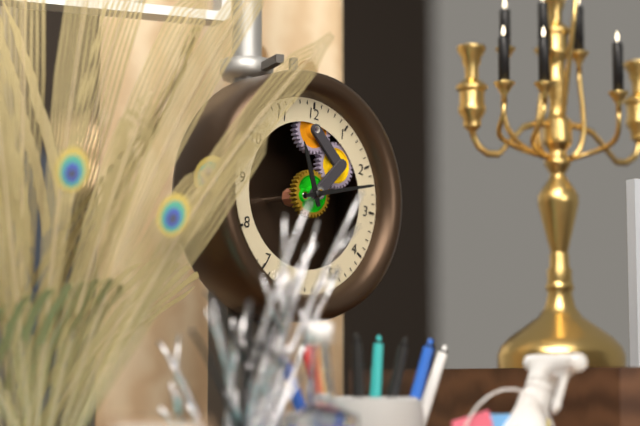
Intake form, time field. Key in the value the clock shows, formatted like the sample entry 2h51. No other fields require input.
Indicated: 11h12
